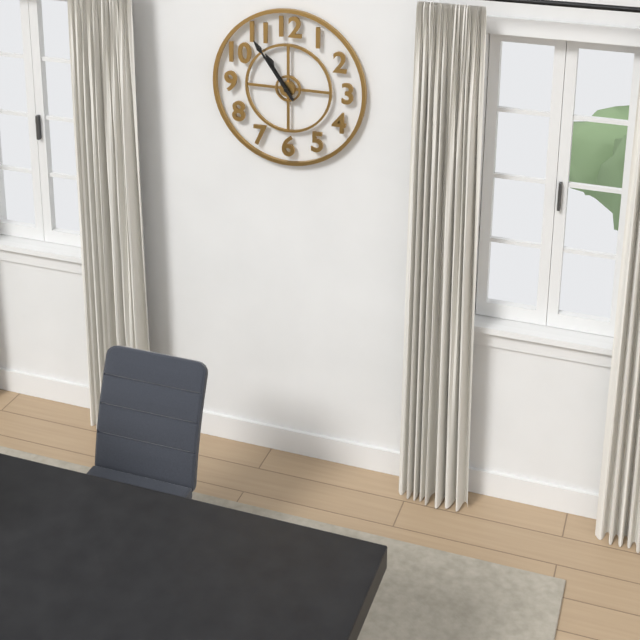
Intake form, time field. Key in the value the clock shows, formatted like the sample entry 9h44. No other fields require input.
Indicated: 10h54
